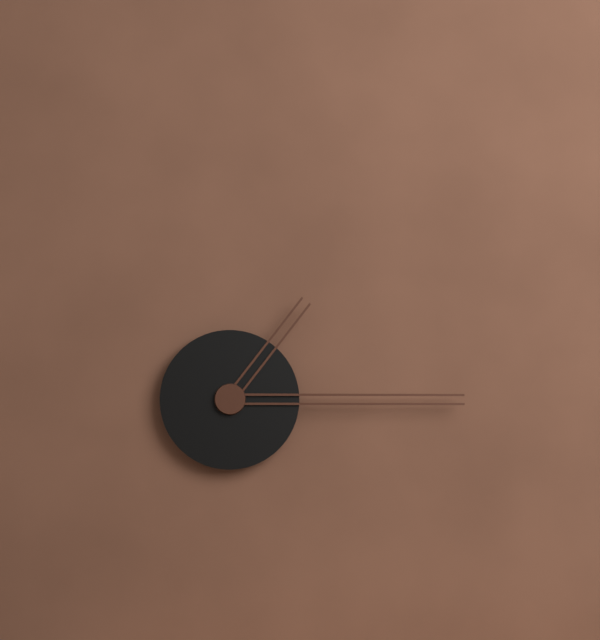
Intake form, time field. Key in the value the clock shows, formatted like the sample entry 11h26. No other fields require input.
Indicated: 1h15
